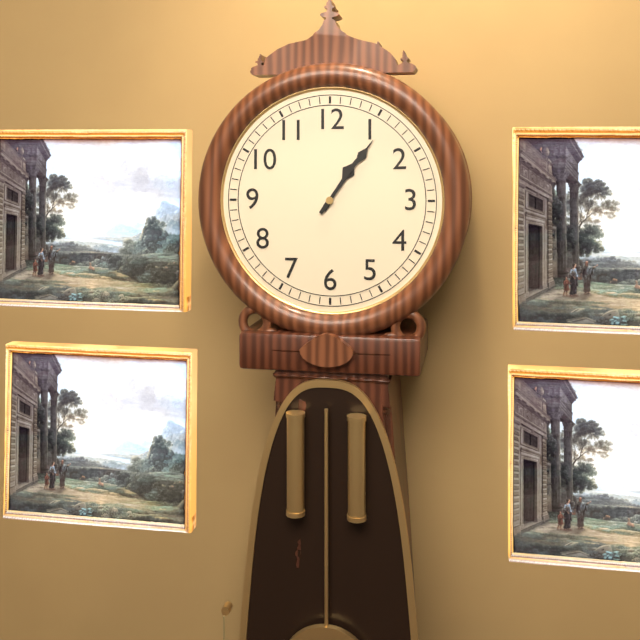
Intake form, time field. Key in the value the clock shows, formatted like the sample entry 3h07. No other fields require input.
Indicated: 1h06
